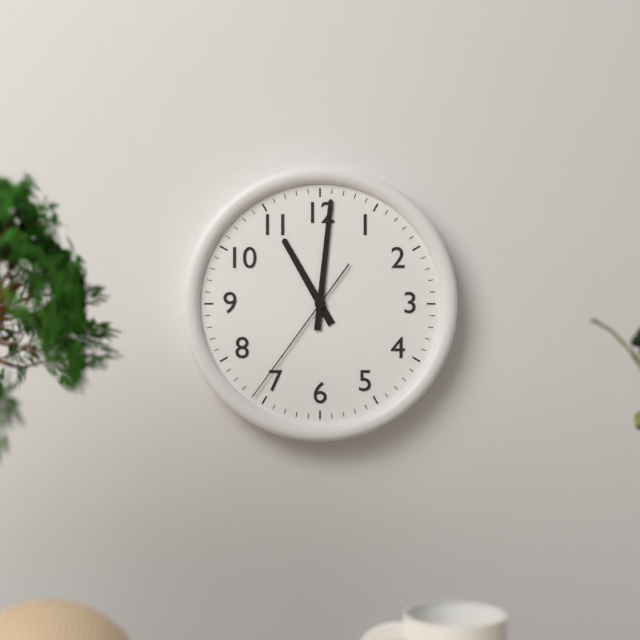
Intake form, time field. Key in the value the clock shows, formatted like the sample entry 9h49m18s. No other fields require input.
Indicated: 11h01m36s
